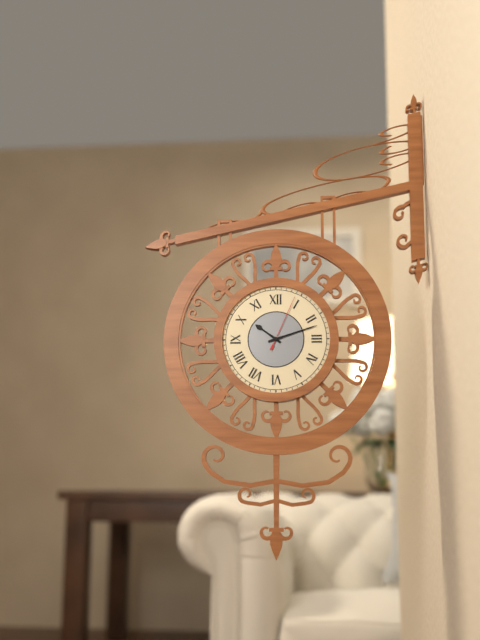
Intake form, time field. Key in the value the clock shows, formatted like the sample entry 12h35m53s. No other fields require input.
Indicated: 10h12m04s
